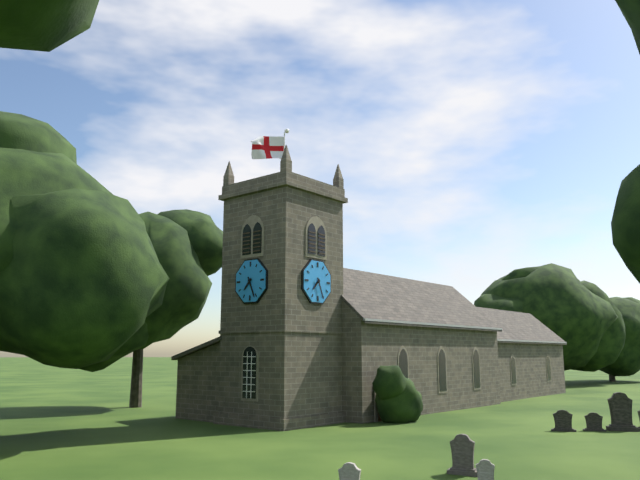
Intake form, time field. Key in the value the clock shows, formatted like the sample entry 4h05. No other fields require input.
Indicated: 7h26
